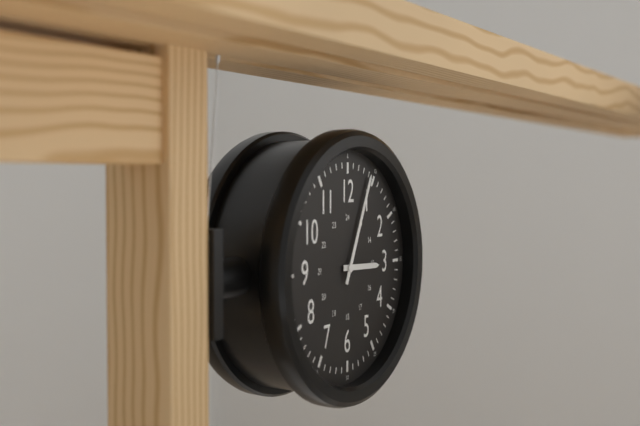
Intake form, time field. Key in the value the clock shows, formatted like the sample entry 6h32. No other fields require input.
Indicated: 3h04
